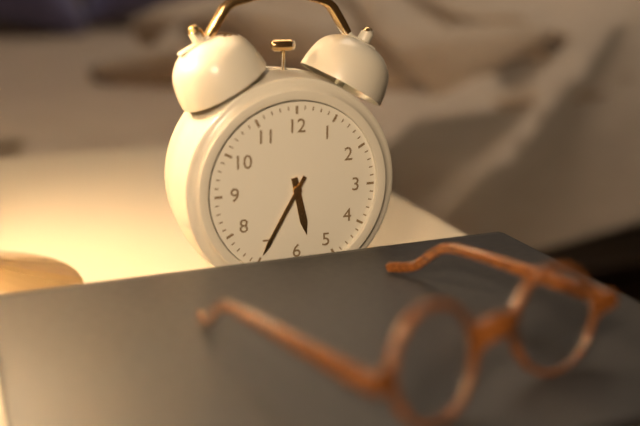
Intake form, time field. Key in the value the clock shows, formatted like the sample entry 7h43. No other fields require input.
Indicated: 5h35
